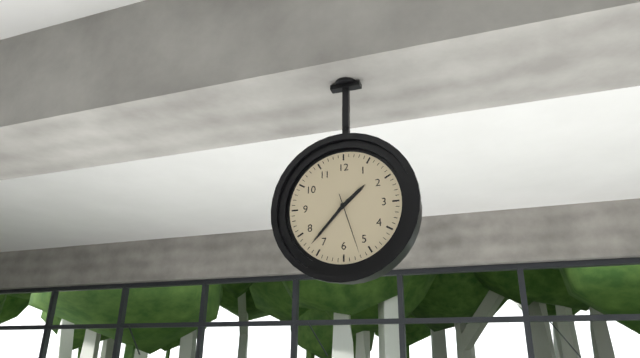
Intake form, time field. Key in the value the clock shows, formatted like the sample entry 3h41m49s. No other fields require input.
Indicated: 1h37m27s
